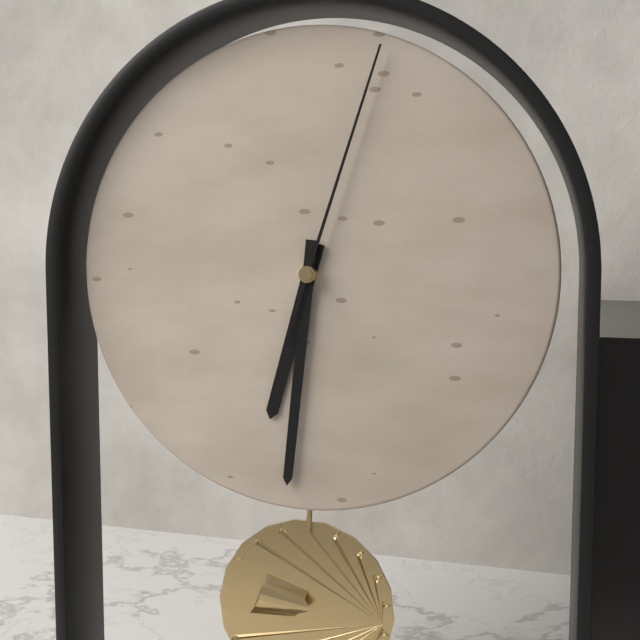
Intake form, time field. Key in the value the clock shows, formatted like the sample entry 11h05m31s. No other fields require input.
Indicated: 6h31m03s
